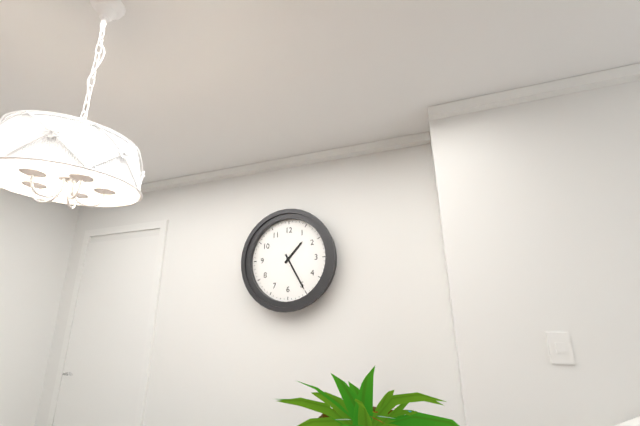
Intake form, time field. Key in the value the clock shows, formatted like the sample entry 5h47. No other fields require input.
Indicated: 1h25
